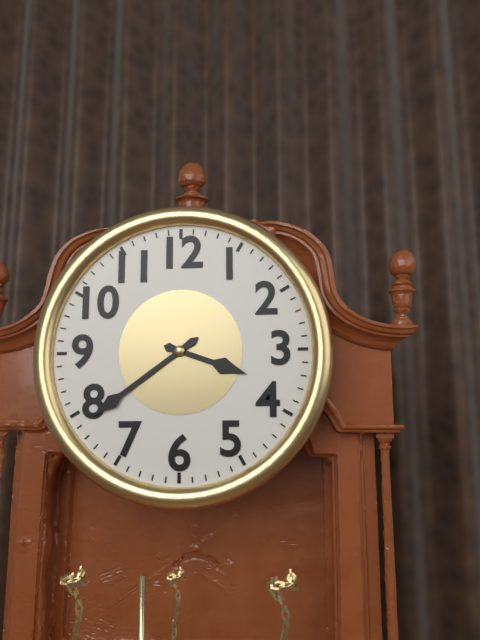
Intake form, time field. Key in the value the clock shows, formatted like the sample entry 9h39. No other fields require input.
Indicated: 3h39
